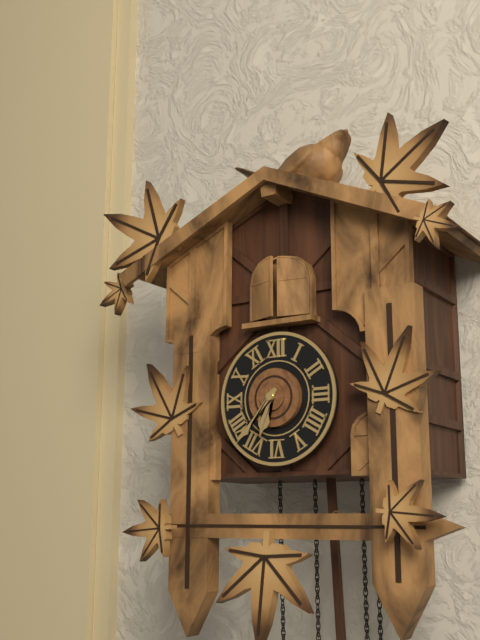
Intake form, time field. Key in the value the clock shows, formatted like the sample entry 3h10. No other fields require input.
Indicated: 6h37
